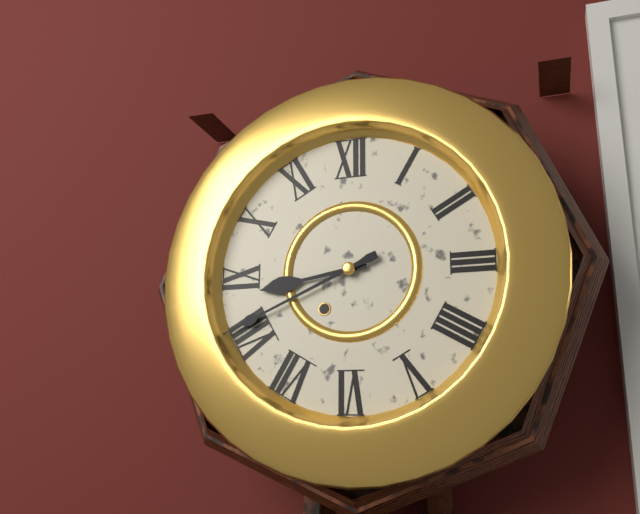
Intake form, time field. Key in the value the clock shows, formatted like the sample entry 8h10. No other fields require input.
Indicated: 8h41
